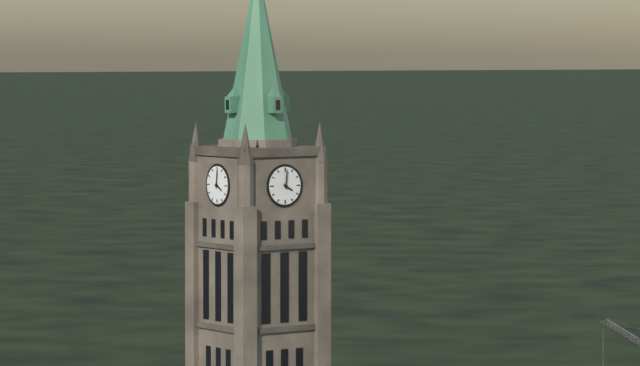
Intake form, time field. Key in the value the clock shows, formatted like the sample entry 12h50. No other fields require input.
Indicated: 4h01
